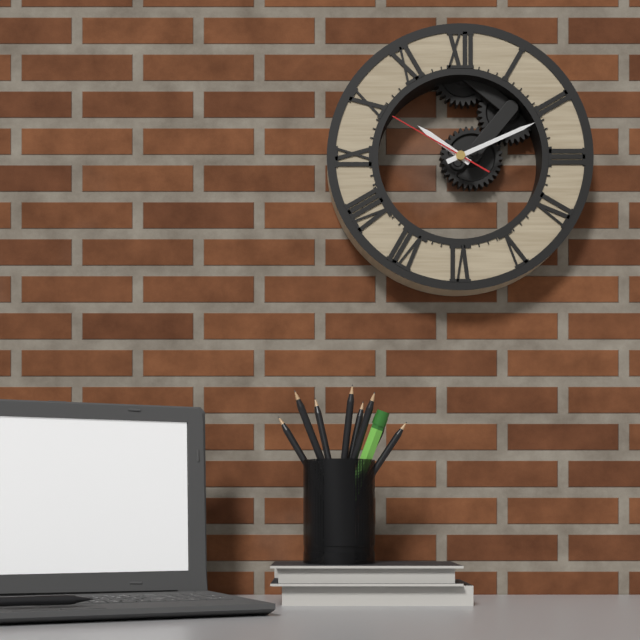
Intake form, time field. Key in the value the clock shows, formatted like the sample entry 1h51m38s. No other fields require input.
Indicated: 10h11m50s
